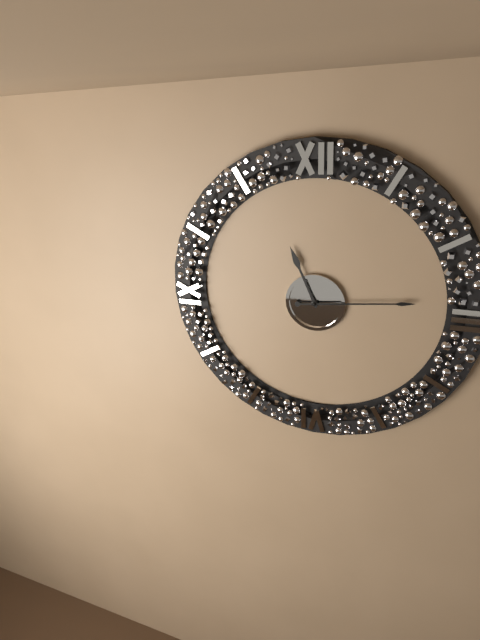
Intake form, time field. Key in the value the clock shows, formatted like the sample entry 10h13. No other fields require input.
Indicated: 11h14
